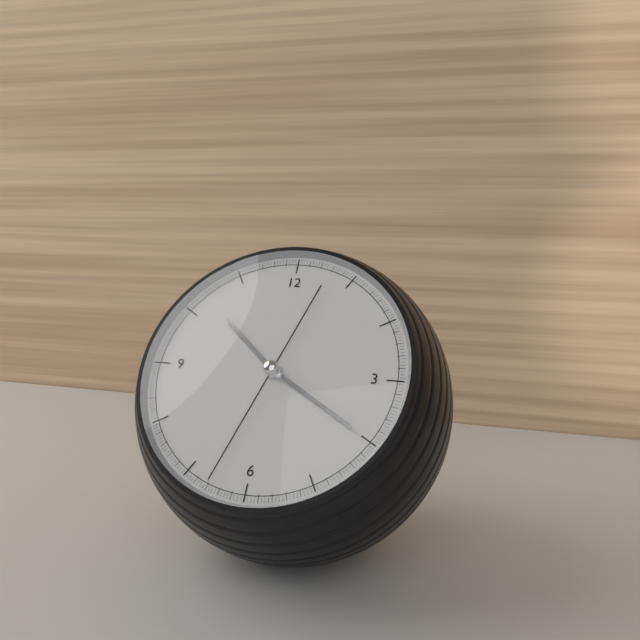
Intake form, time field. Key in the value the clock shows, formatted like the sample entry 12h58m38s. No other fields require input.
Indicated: 10h20m33s
